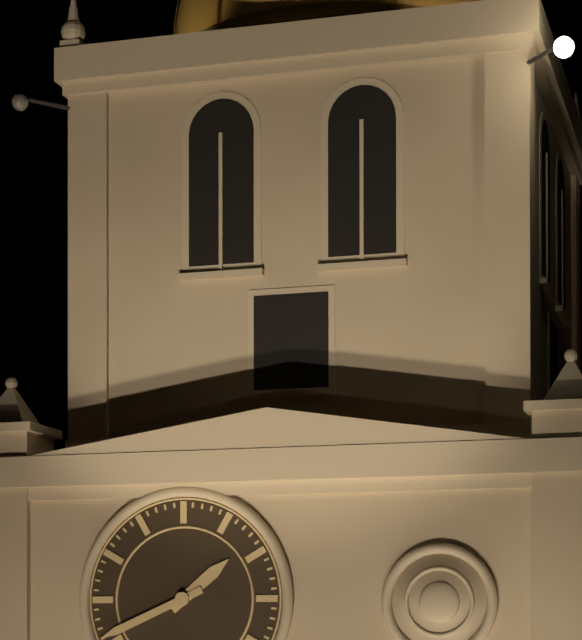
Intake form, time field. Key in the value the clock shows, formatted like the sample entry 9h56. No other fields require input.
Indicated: 1h41
